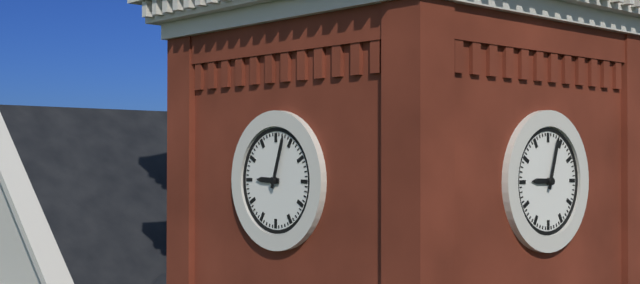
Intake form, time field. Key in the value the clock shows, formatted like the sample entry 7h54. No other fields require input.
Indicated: 9h03
